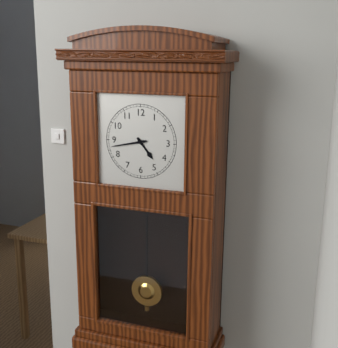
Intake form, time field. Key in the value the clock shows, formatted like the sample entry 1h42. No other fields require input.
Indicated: 4h43
